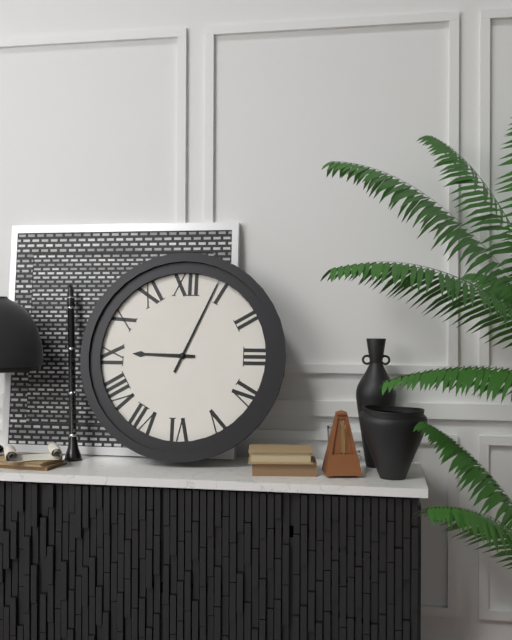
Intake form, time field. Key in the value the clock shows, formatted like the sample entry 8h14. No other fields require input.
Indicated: 9h04
